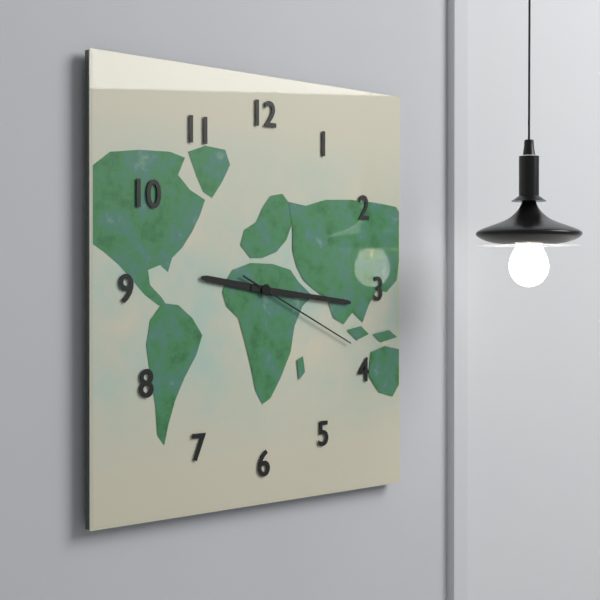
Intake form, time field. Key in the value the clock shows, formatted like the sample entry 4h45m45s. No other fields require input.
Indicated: 9h16m19s
